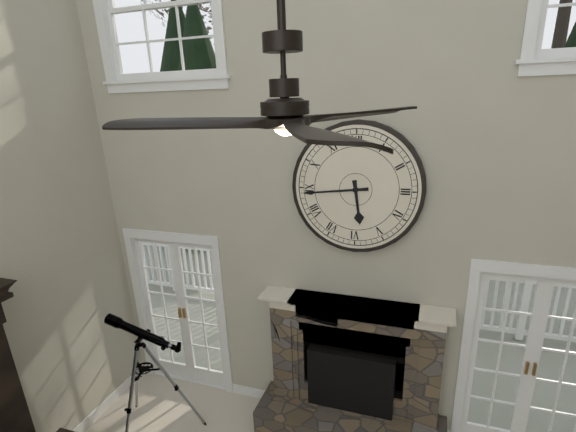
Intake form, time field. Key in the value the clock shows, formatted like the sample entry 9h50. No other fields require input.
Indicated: 5h44
